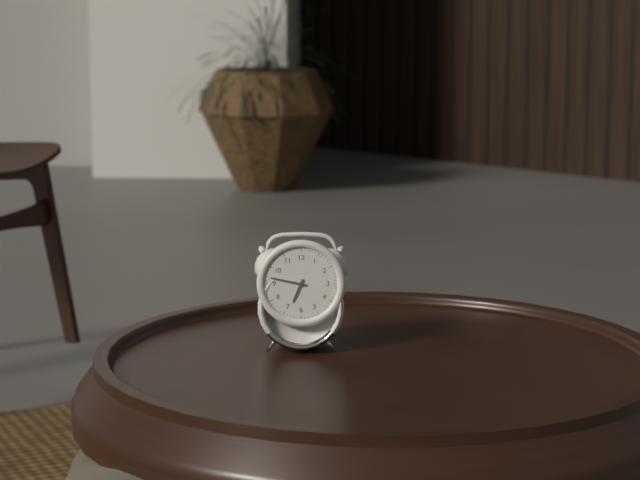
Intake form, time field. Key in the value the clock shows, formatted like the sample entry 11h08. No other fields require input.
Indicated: 6h47
